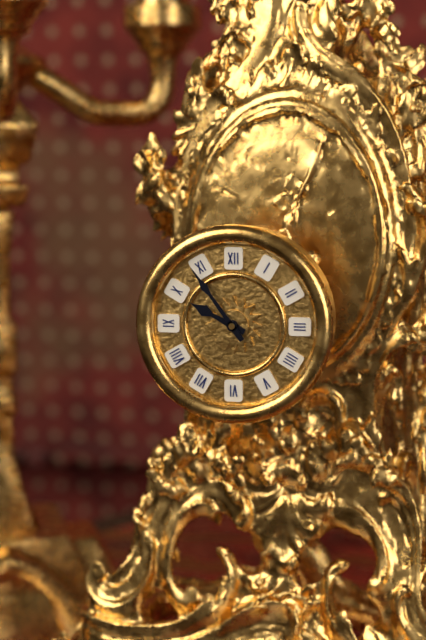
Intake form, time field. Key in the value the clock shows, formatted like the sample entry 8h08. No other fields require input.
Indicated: 9h54
